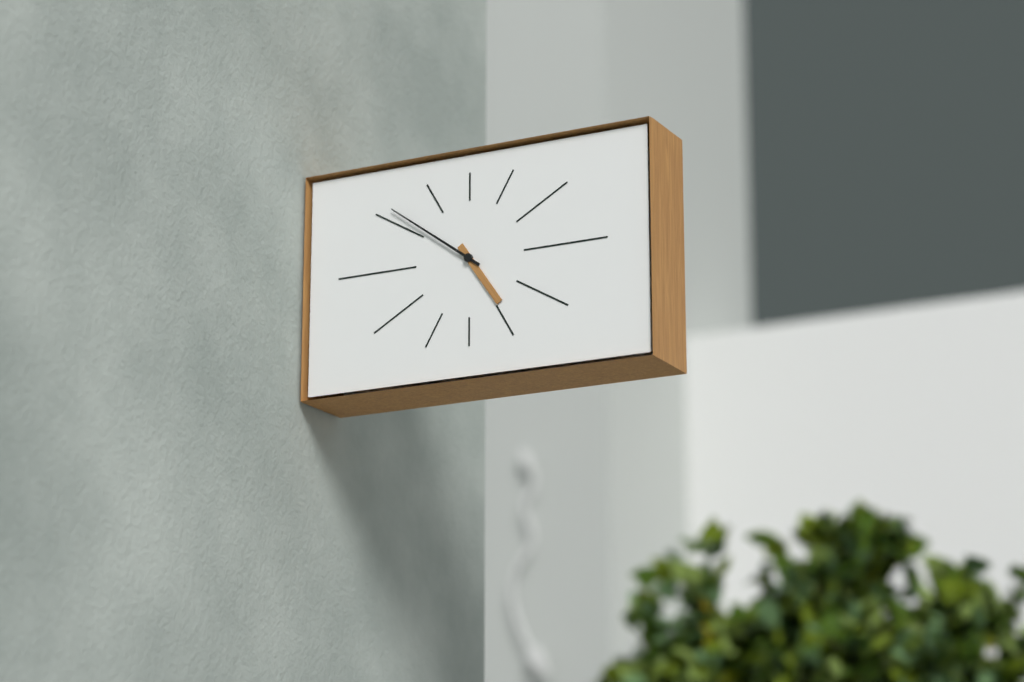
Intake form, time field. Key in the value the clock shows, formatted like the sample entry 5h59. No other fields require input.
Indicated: 4h51
